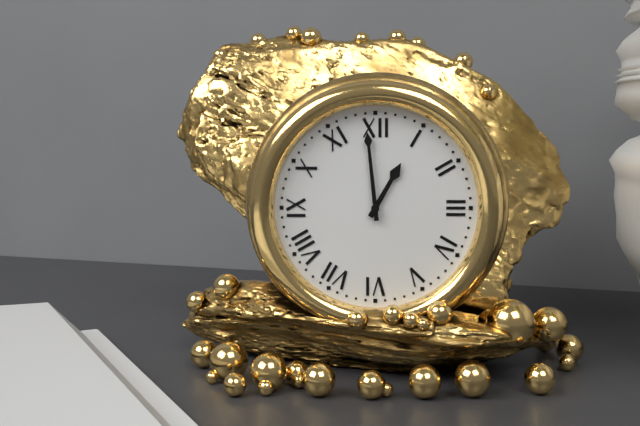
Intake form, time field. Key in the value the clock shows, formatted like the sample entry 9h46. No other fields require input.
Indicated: 12h59
